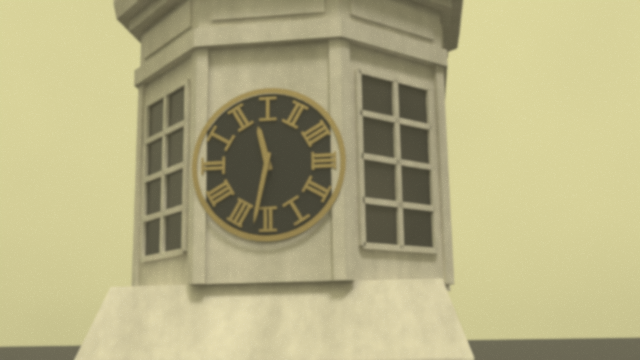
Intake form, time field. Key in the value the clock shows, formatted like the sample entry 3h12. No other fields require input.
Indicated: 11h32
